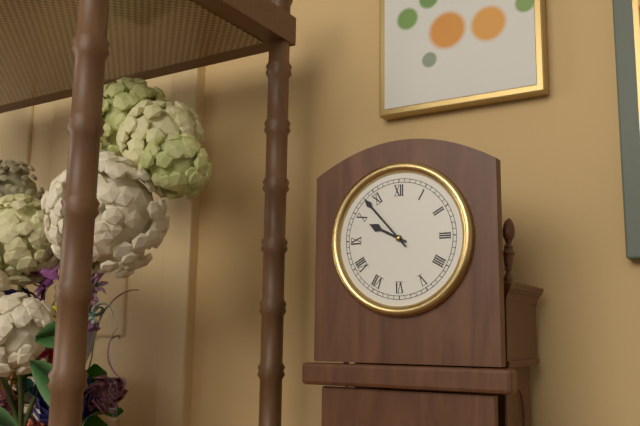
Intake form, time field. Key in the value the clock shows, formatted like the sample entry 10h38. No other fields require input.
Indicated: 9h53
